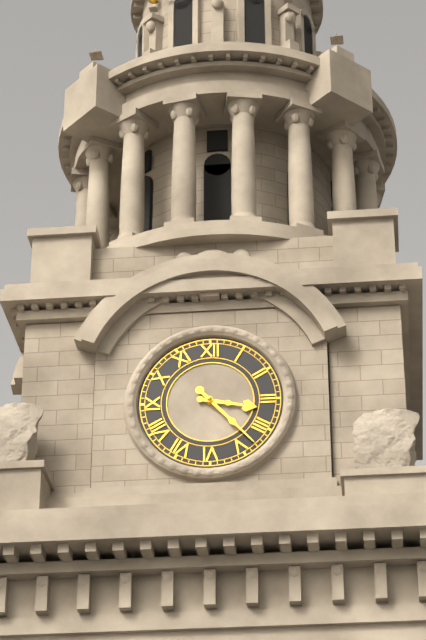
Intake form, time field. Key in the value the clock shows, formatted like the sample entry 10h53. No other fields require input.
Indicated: 3h23
